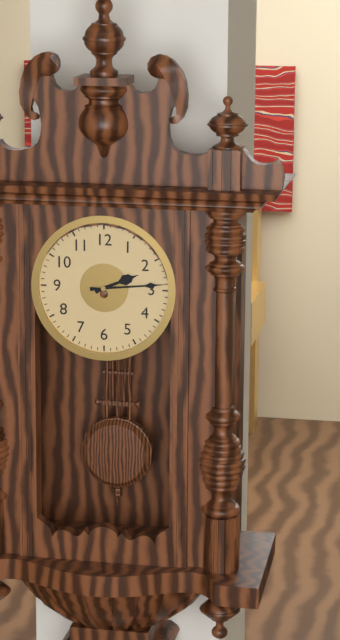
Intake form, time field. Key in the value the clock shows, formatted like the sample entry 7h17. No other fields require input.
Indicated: 2h14
